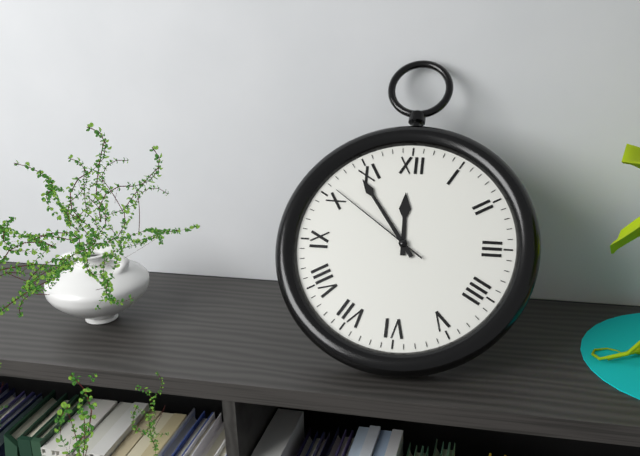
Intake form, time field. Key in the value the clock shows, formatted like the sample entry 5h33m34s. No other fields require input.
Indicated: 11h54m51s
